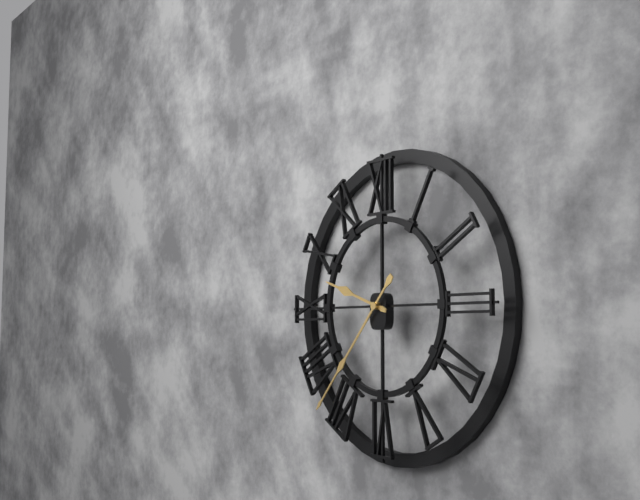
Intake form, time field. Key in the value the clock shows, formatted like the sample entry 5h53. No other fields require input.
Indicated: 9h37
